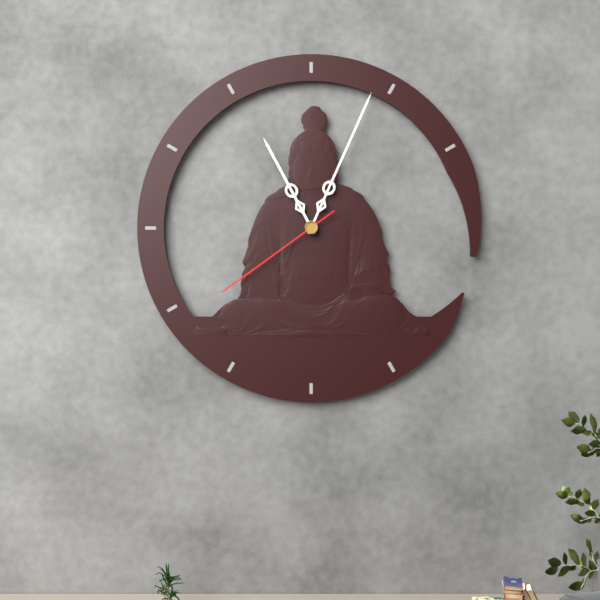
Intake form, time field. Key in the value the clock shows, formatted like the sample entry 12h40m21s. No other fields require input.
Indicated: 11h04m39s
